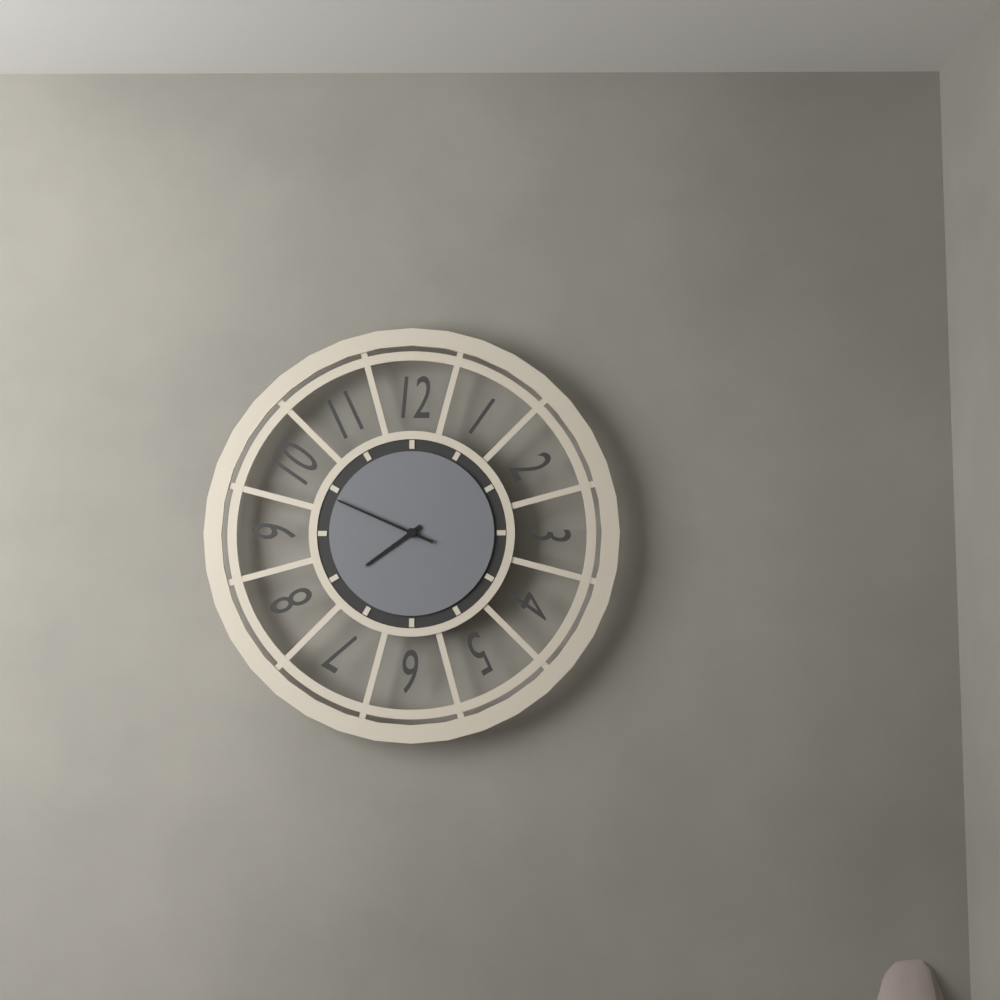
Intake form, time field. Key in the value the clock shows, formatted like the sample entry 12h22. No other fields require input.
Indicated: 7h49
